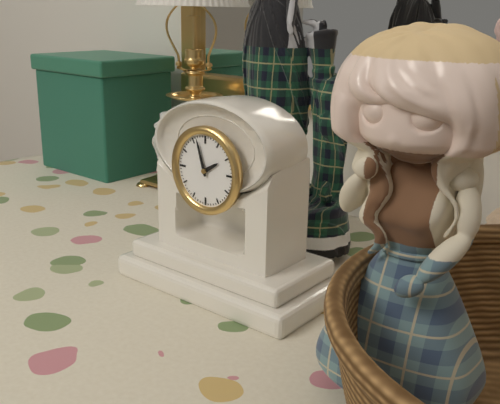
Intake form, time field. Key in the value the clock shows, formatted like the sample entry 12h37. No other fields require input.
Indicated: 1h57
